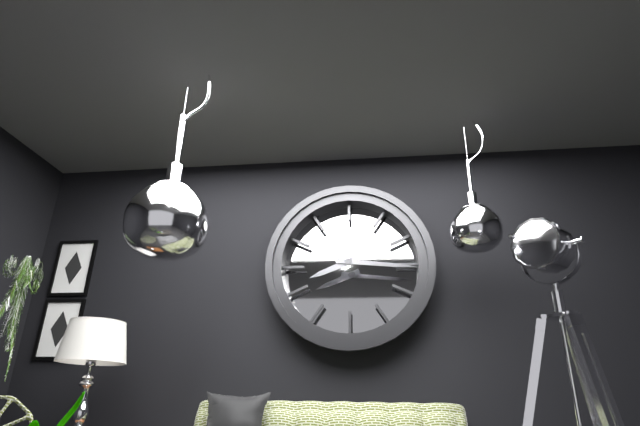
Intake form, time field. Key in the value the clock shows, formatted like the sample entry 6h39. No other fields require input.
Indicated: 8h16
